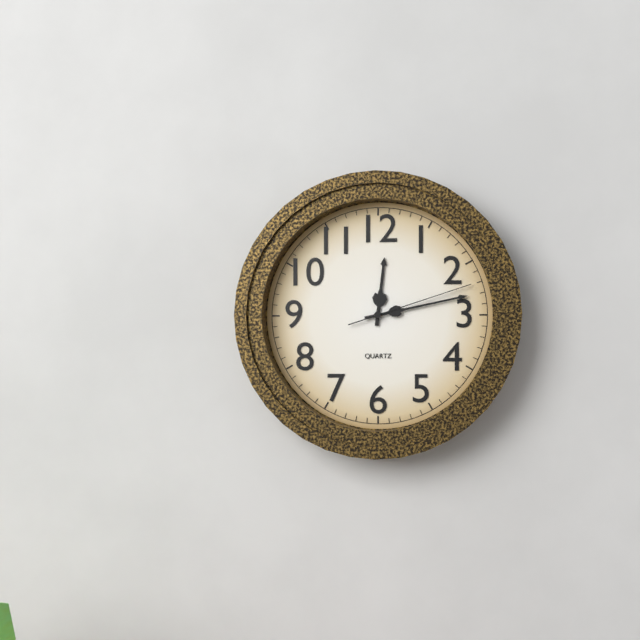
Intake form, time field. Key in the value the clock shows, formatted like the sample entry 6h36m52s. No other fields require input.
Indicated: 12h13m12s
